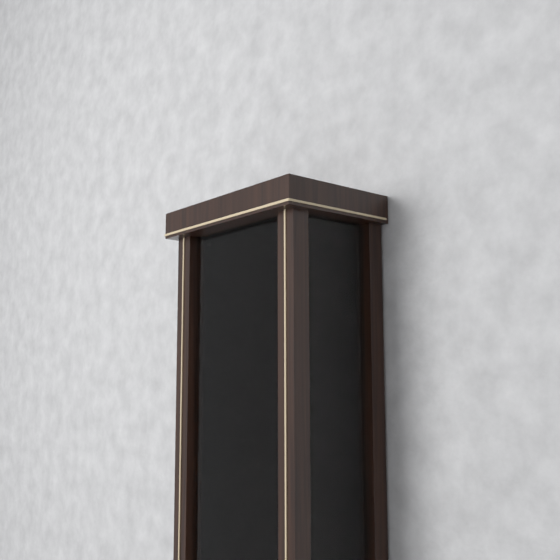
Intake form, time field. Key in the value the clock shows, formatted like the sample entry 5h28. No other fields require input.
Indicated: 8h53
